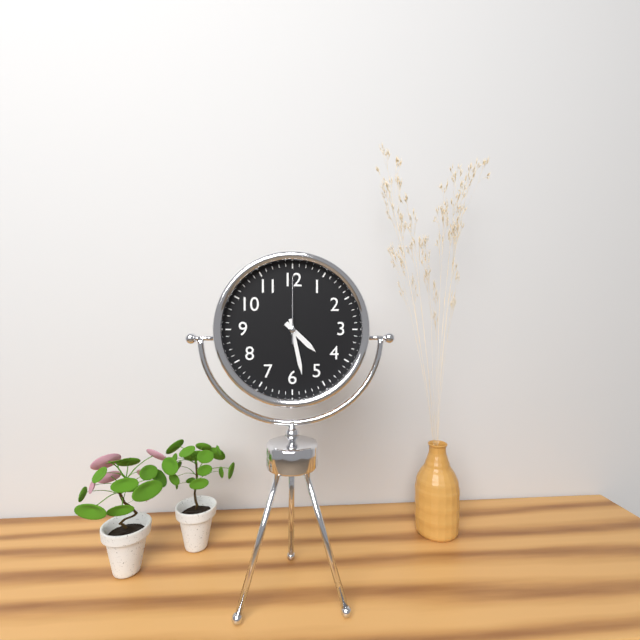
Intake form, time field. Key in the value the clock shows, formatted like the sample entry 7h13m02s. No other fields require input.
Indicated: 4h28m00s
